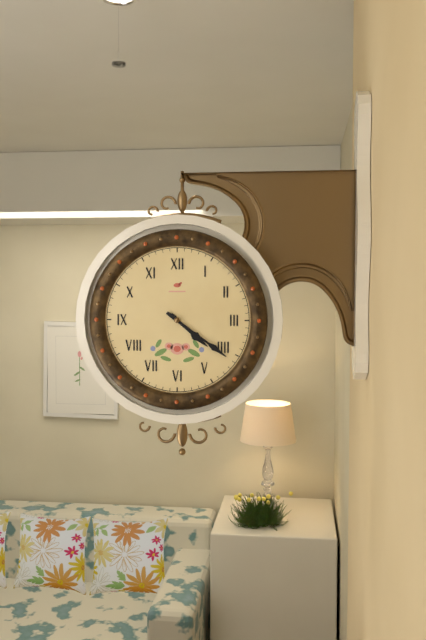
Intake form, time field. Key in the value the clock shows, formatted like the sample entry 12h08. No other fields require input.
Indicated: 4h21
